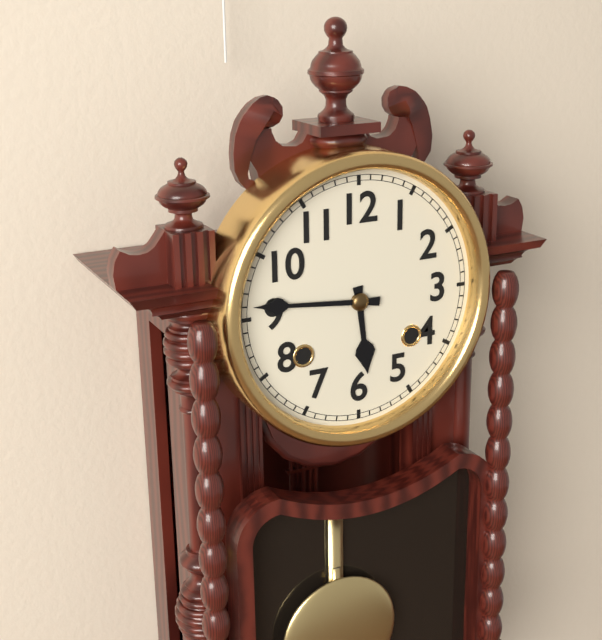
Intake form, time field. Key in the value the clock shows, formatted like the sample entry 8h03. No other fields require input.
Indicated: 5h46
